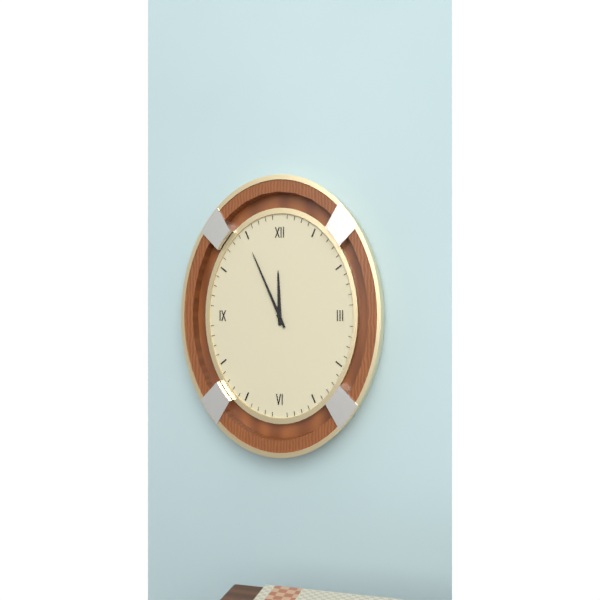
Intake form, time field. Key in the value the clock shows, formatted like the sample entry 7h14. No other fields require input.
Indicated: 11h56
